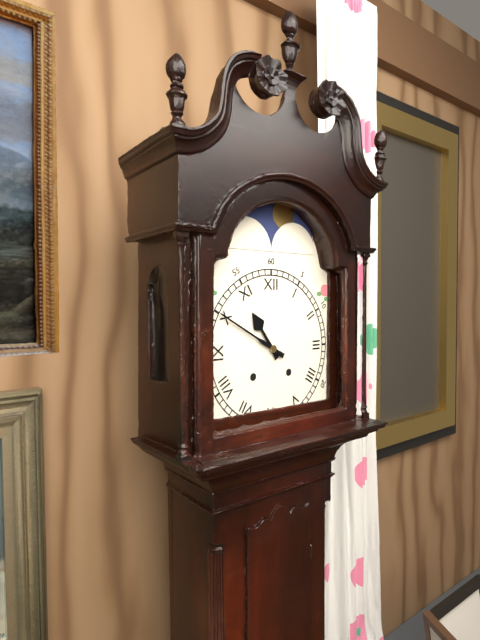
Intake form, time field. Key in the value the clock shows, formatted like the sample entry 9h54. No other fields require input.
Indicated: 10h50
